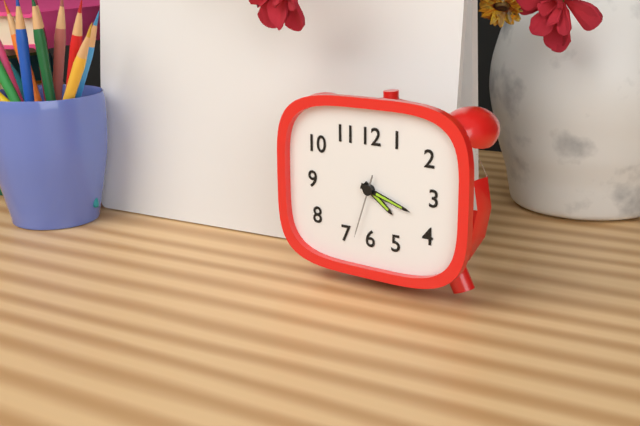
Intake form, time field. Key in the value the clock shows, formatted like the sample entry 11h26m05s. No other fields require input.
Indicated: 4h18m33s
